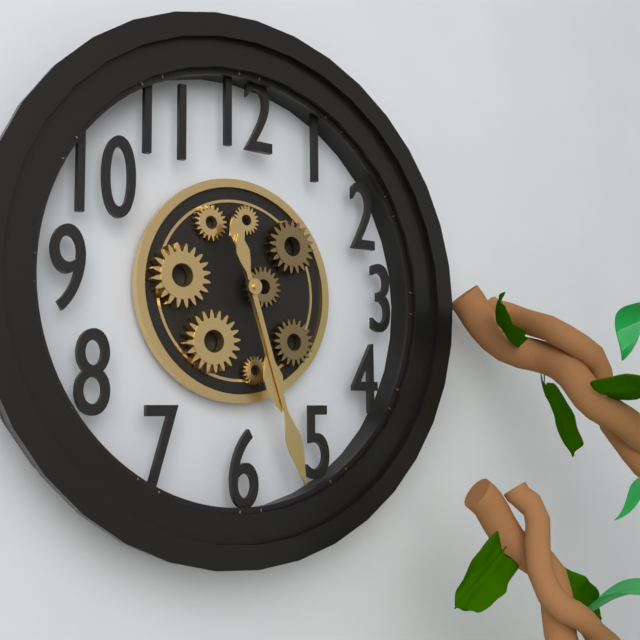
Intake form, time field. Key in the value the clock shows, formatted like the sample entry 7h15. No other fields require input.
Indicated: 5h27
